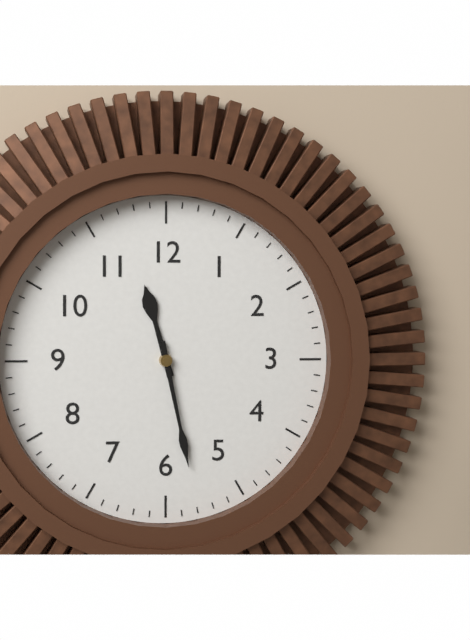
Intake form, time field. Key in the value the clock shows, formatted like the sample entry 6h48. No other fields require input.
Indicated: 11h28
